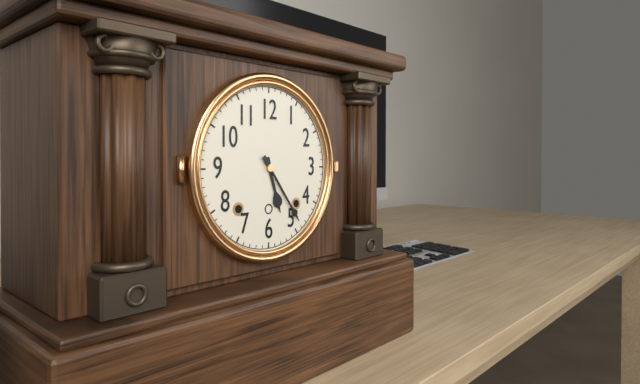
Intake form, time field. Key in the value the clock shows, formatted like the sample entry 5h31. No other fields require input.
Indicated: 5h24
